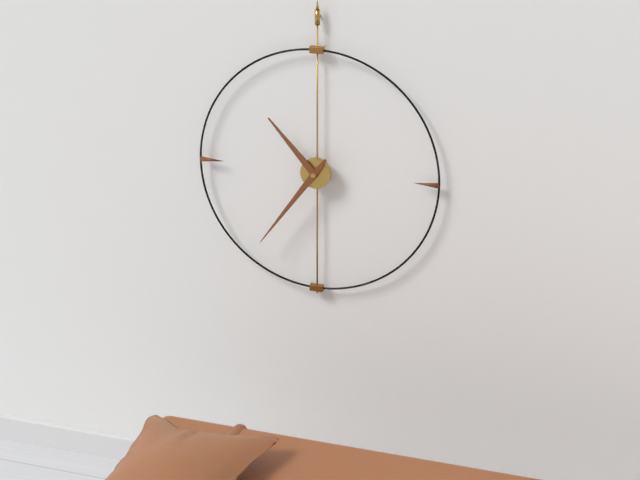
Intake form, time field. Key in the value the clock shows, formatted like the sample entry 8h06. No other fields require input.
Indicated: 10h36
